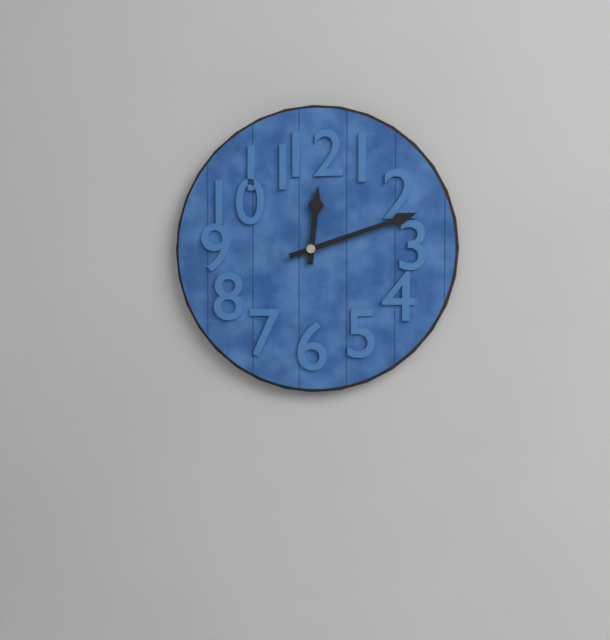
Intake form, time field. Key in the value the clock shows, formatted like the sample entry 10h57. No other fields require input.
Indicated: 12h12
